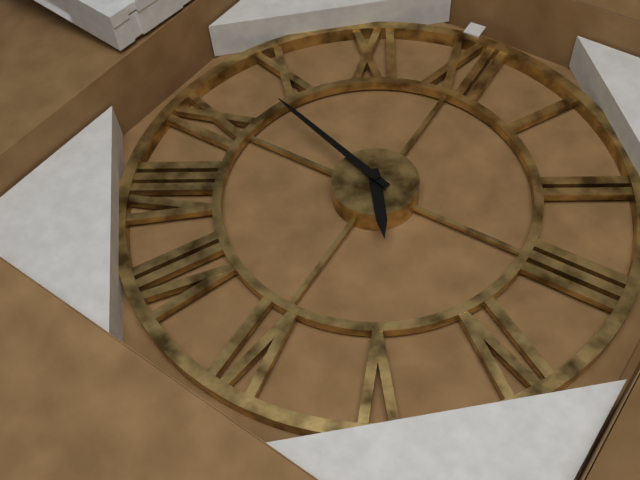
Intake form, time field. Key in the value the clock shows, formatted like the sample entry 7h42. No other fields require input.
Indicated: 4h48
